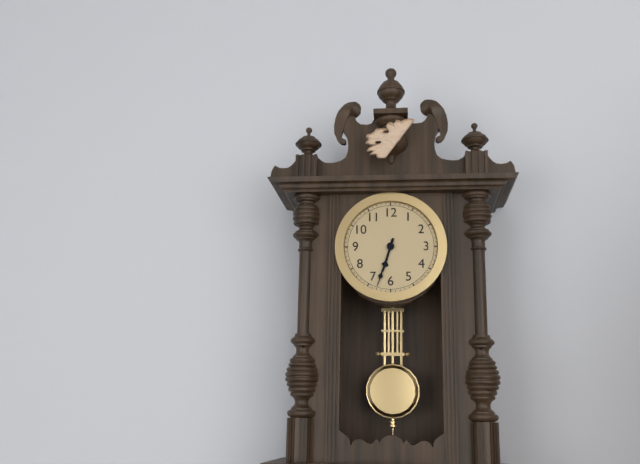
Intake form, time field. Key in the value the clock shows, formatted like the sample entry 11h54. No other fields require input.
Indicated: 6h33
